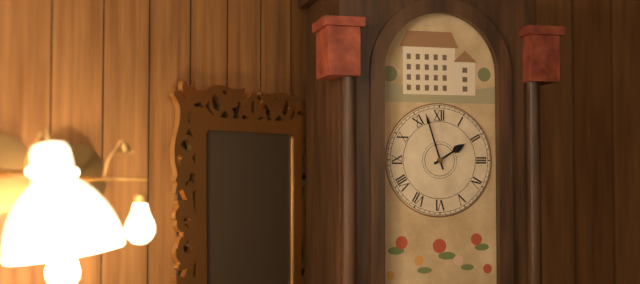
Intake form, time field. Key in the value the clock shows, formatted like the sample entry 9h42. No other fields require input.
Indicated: 1h57
